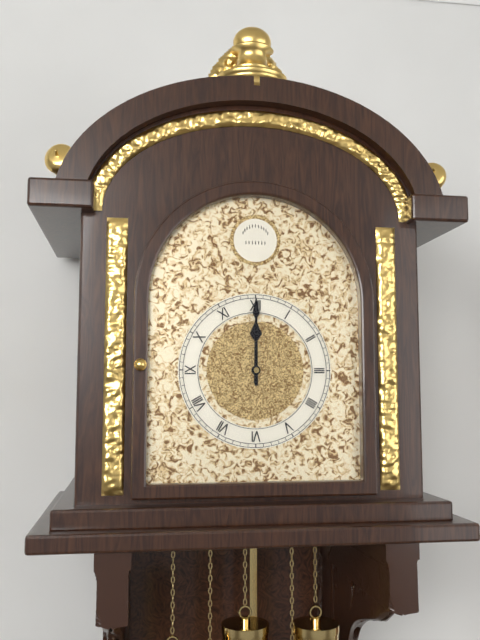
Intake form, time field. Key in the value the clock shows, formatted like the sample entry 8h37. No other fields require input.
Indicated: 12h00
